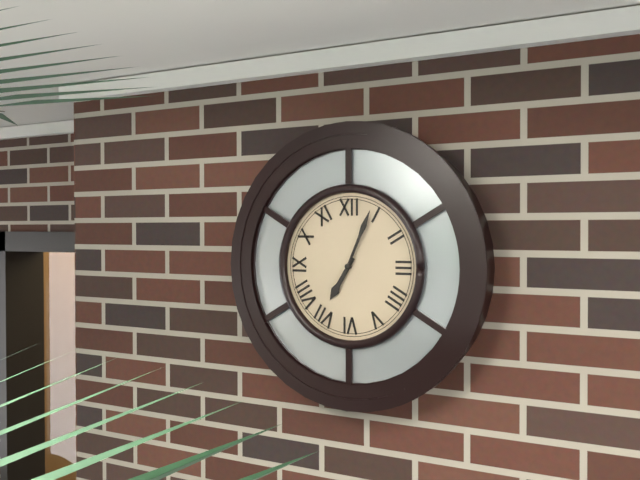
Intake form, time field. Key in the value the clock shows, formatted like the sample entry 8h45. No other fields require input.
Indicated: 7h04
